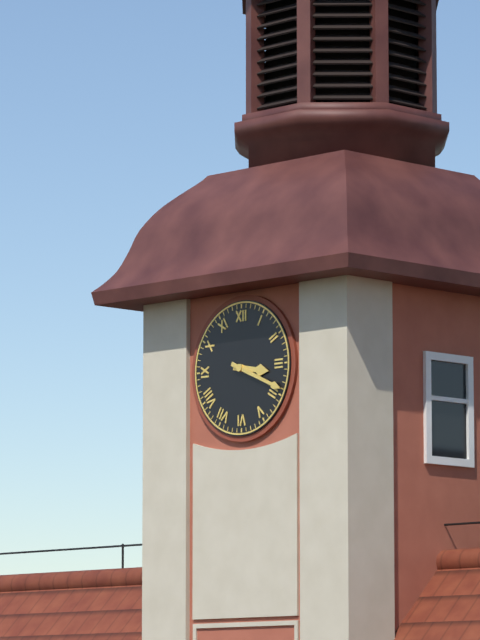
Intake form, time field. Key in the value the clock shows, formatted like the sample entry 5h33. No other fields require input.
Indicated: 3h19
